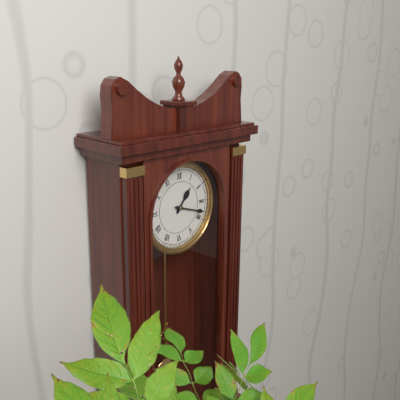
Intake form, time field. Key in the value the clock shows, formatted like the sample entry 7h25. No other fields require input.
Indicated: 1h18
